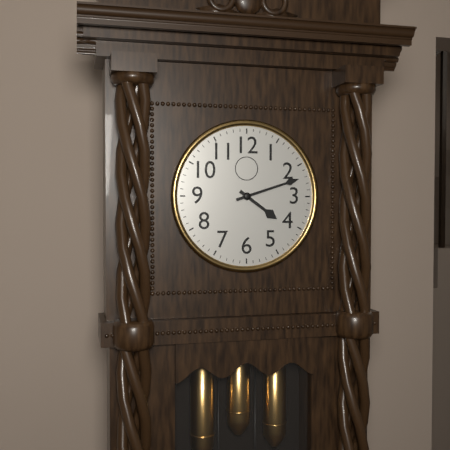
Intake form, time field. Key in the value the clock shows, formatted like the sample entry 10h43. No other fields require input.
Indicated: 4h12
